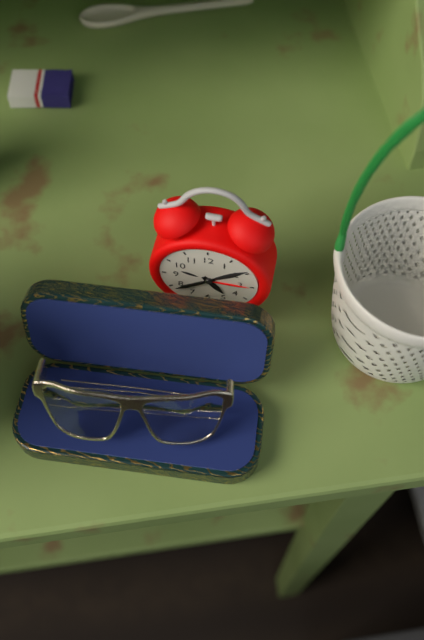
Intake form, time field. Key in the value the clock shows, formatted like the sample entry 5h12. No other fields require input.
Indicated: 4h39
